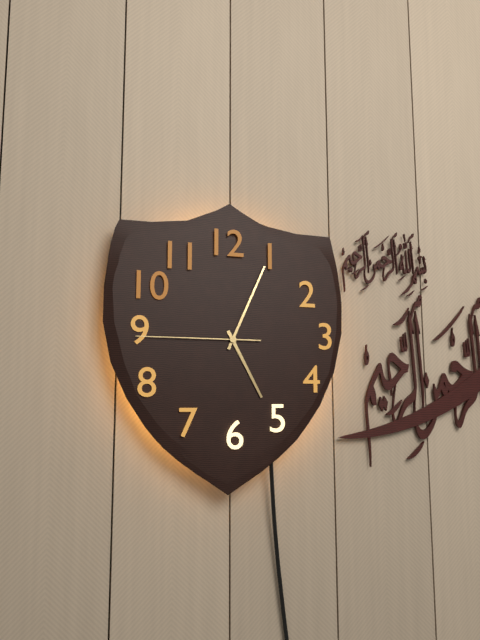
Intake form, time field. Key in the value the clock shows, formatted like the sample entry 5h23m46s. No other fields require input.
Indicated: 5h04m45s
